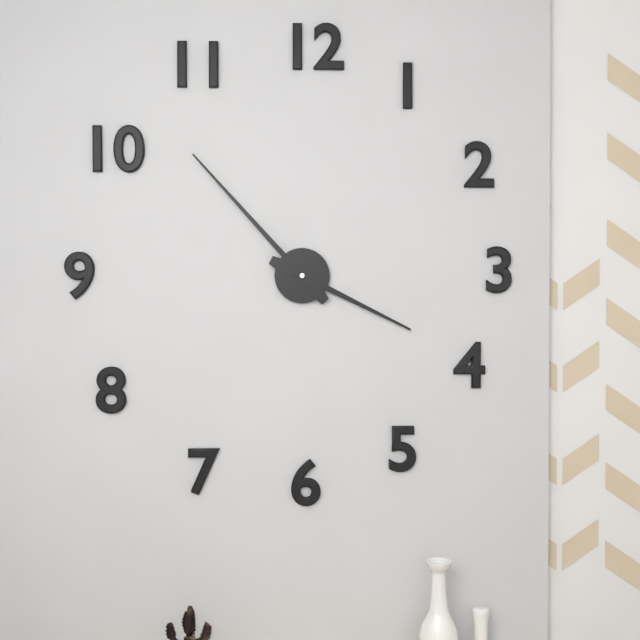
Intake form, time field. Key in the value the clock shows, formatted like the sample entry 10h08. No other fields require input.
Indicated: 3h53
